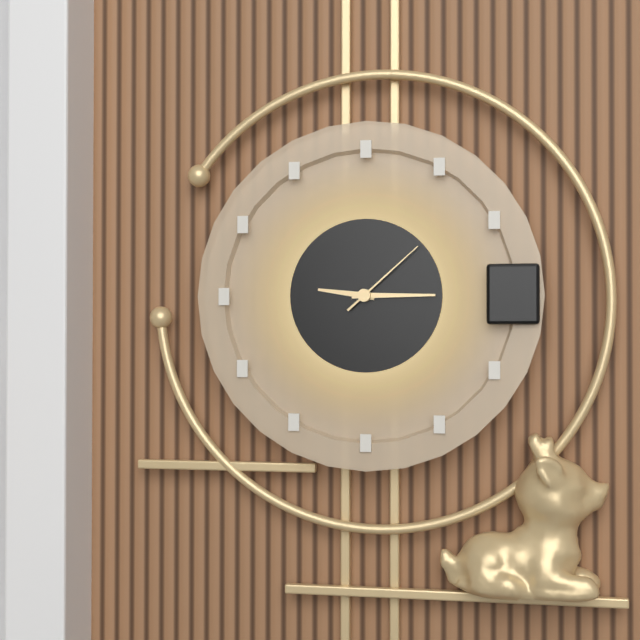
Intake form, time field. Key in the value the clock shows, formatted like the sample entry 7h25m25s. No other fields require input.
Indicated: 9h15m08s
